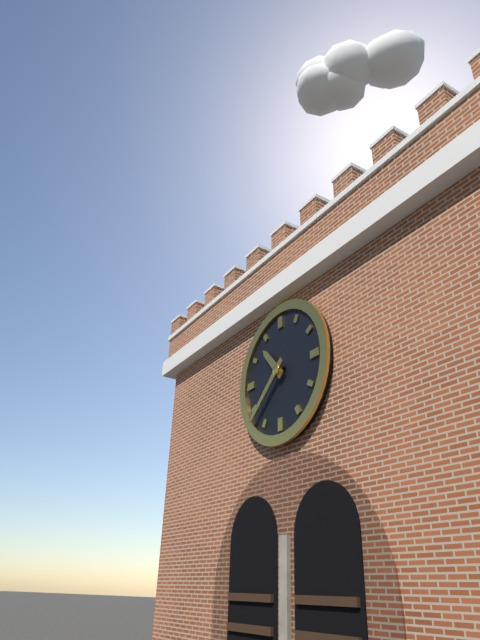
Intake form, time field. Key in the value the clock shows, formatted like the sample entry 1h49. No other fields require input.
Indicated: 10h38
